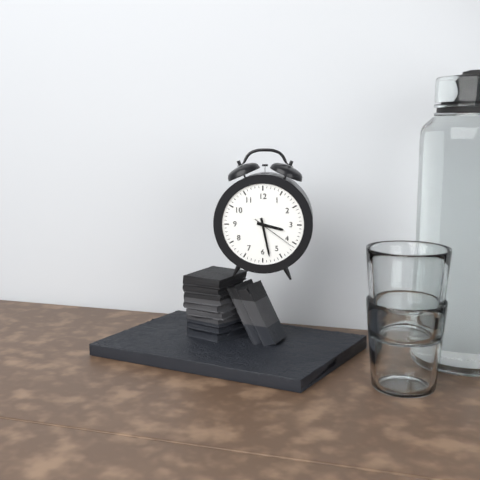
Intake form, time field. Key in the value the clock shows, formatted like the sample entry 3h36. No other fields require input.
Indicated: 3h28
